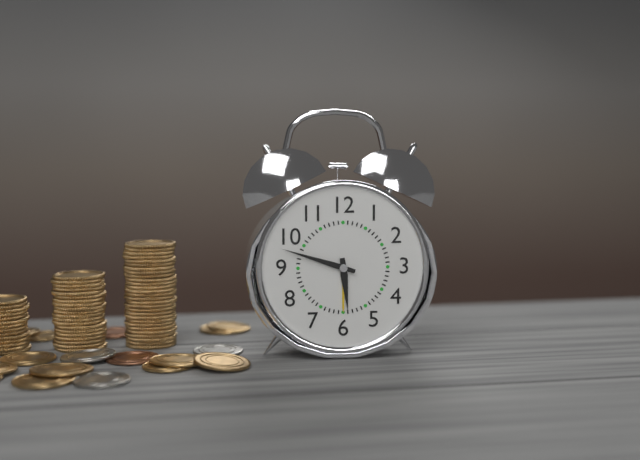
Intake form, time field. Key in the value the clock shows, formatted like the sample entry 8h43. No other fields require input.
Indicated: 5h48
